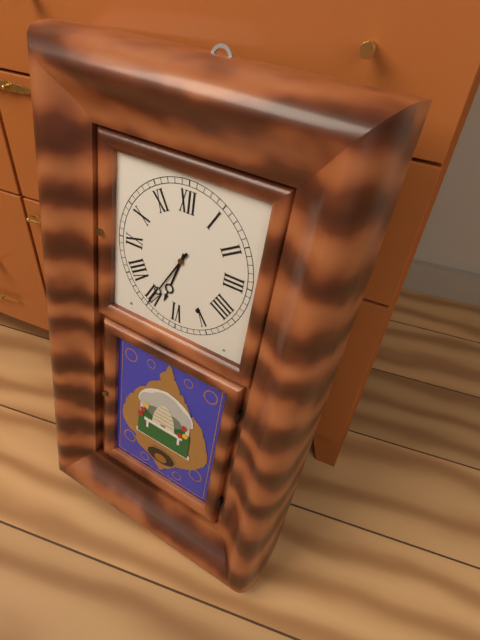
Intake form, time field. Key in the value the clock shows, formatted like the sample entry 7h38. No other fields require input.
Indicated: 6h35
